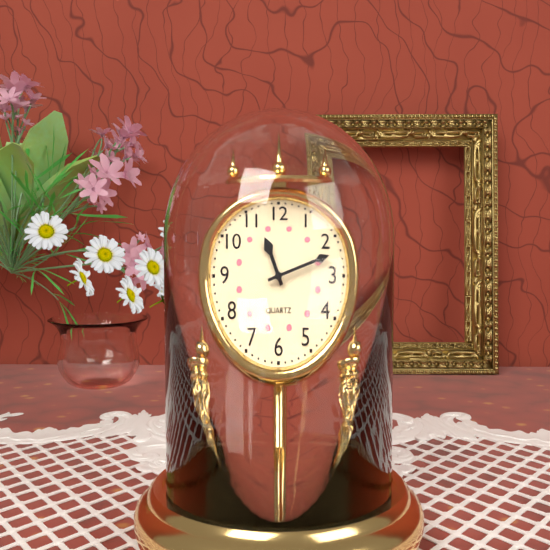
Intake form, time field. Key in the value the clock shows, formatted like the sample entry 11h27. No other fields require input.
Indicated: 11h12
